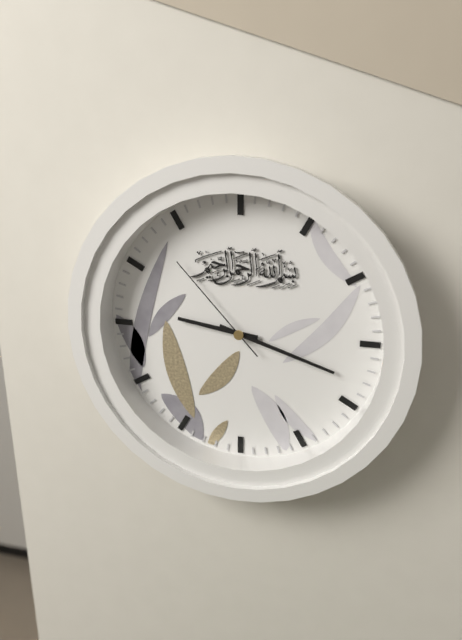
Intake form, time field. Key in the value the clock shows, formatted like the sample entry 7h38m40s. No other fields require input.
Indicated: 9h18m53s
